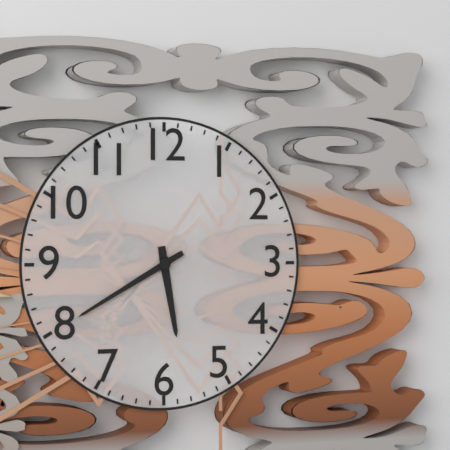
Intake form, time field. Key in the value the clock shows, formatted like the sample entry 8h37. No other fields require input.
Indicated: 5h40
